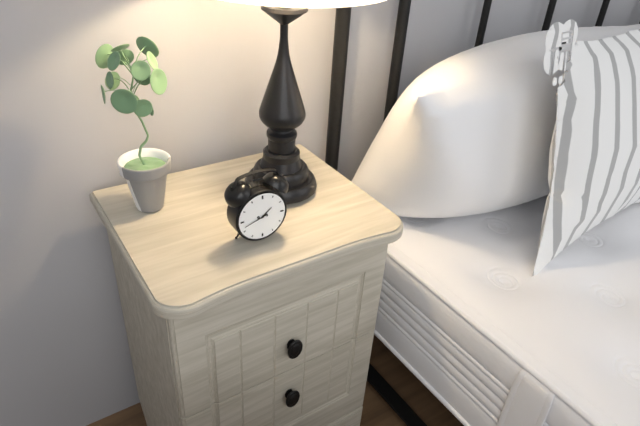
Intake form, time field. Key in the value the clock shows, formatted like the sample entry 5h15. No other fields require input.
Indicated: 1h42
